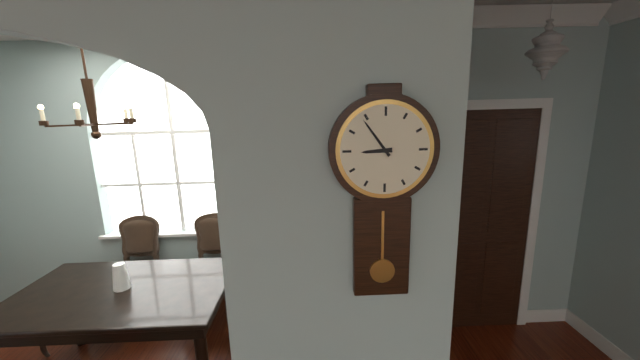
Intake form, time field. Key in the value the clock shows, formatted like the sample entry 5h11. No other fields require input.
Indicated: 8h54
